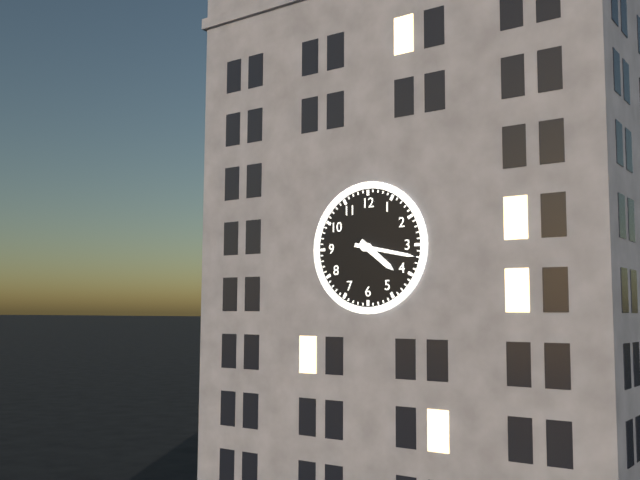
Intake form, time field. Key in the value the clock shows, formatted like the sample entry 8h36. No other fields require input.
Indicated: 4h17
